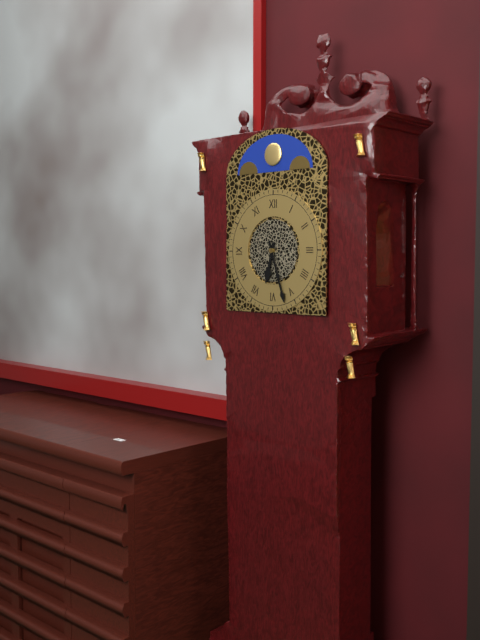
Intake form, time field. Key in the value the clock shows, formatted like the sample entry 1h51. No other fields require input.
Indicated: 6h27
